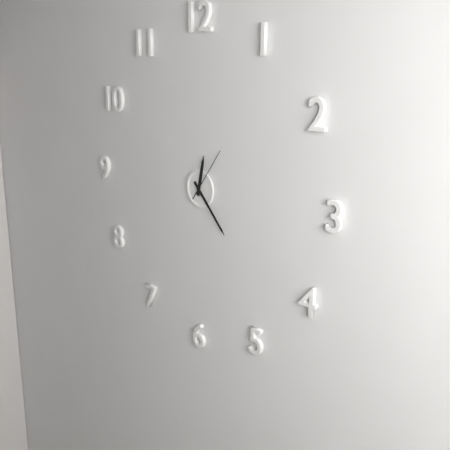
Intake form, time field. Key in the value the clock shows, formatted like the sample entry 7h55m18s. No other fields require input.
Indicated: 12h23m06s
